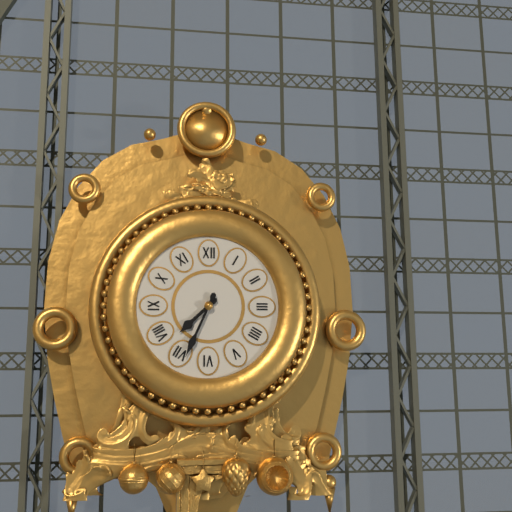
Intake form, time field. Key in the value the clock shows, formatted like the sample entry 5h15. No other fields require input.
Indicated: 7h34
